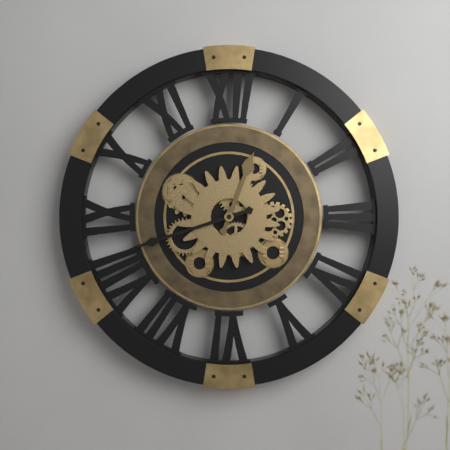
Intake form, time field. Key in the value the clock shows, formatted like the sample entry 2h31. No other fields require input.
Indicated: 12h42
